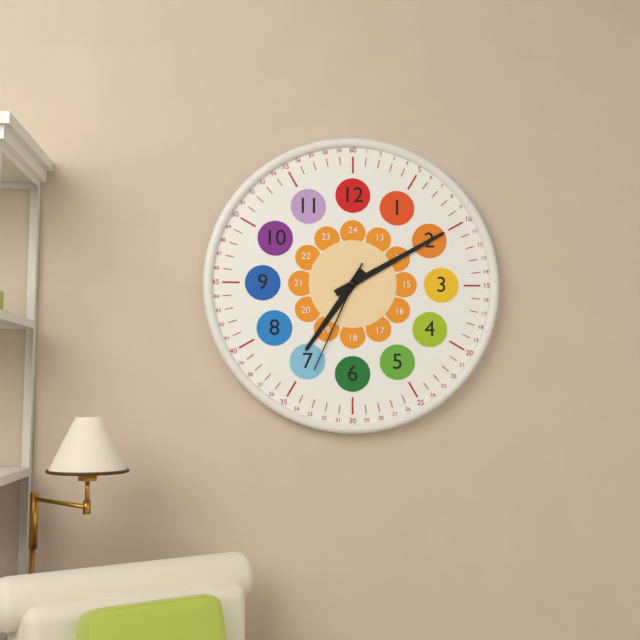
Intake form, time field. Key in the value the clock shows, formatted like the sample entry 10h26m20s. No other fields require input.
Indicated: 7h10m34s
